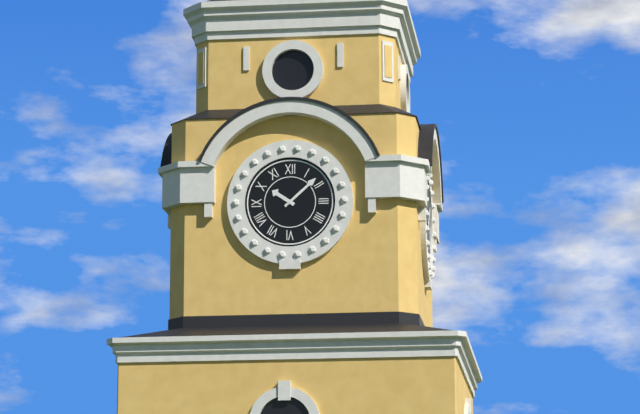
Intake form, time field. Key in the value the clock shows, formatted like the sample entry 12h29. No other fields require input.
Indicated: 10h08
